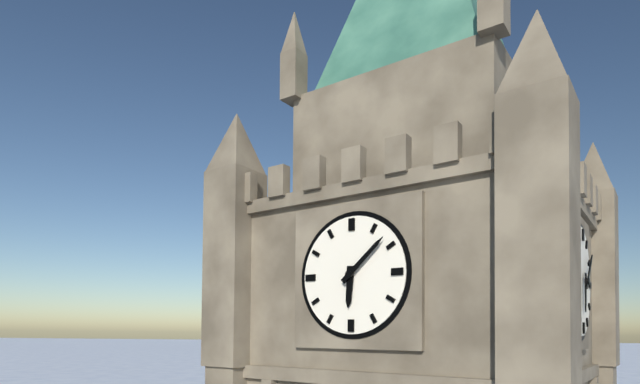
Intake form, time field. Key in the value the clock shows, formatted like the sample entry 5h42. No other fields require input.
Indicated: 6h08
